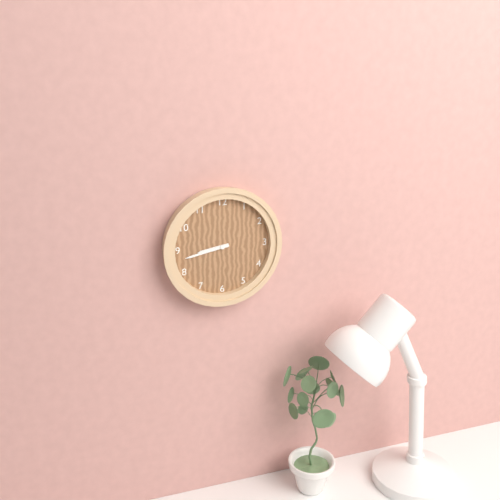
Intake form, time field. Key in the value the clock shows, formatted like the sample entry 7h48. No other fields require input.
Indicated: 8h43
